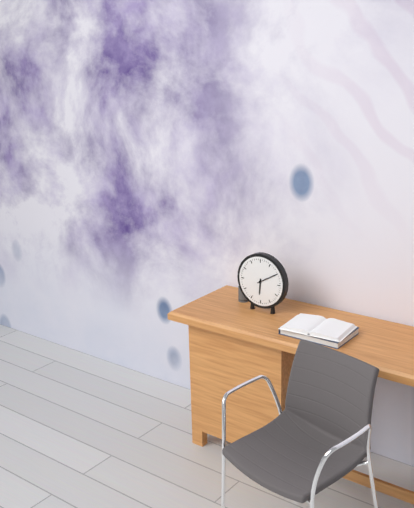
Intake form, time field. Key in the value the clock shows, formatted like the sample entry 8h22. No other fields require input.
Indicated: 6h10
